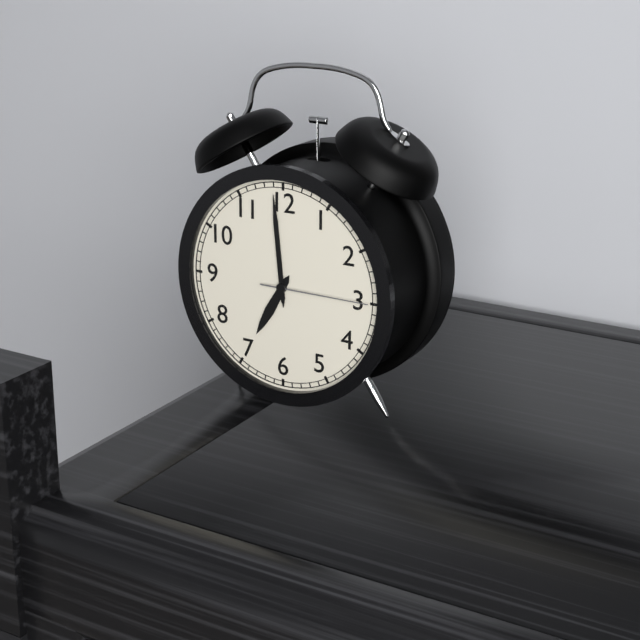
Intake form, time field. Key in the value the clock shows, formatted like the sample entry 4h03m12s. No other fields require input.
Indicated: 6h59m15s
